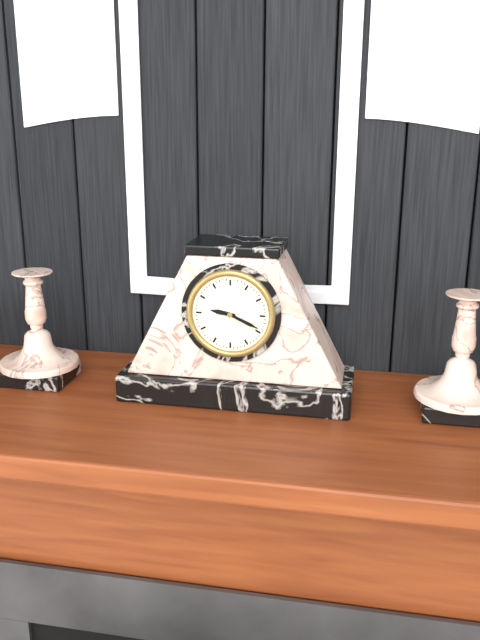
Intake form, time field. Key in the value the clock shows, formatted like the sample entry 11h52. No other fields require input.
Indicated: 9h19
